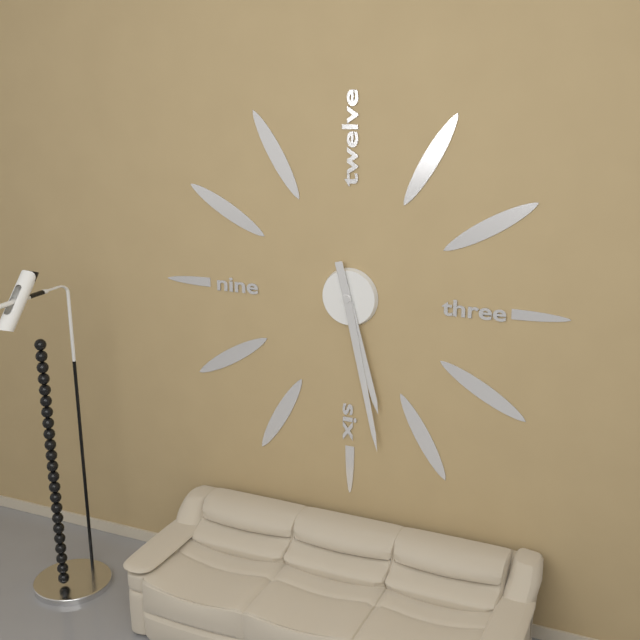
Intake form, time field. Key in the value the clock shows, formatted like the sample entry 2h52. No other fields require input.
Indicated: 5h28
